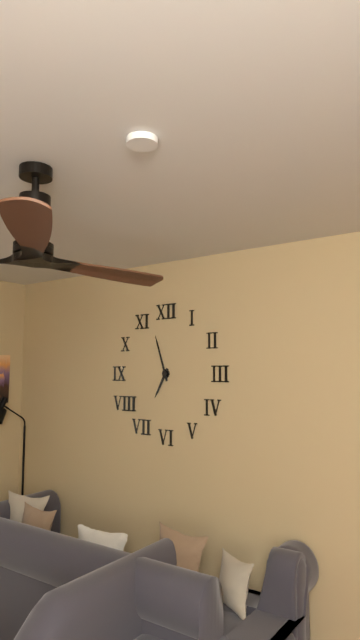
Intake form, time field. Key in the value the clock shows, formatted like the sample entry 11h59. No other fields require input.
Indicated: 6h57
